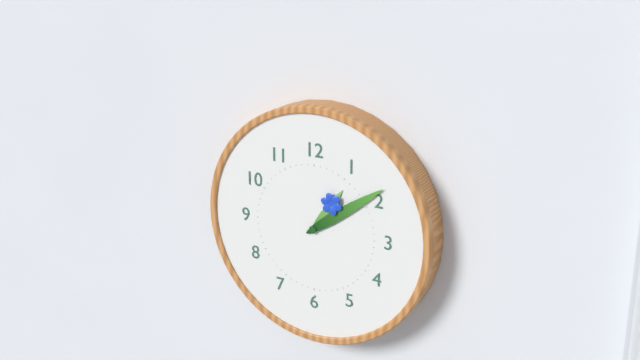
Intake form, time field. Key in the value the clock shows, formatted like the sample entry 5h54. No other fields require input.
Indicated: 1h09
